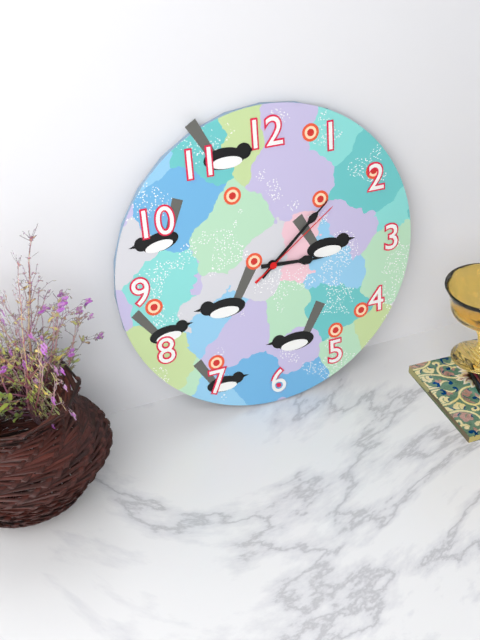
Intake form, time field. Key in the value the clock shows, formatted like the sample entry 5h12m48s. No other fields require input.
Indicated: 3h08m09s
